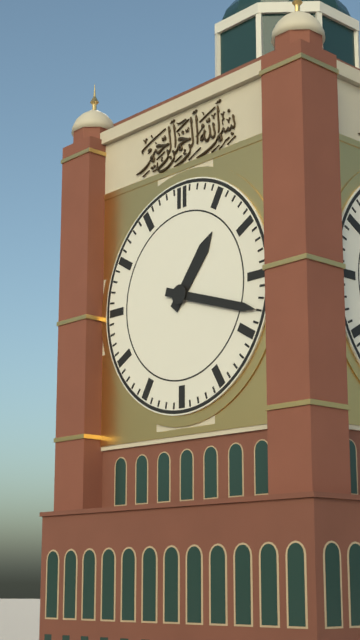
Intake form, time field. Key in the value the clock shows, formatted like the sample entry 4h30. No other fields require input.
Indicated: 1h18
